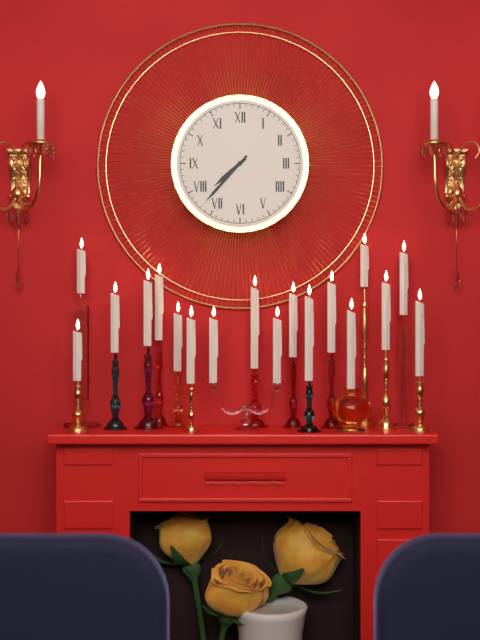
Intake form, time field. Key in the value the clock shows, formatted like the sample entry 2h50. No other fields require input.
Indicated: 7h37
